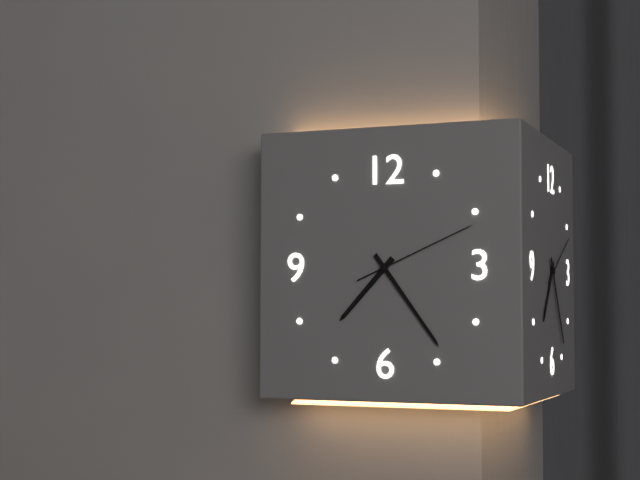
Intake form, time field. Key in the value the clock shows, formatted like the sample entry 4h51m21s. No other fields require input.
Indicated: 7h24m11s
